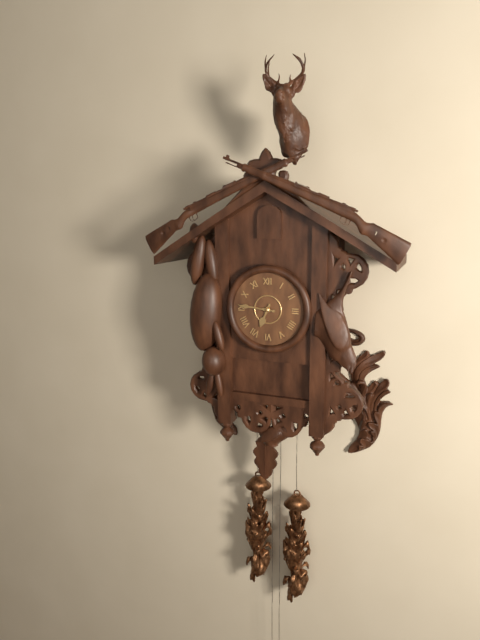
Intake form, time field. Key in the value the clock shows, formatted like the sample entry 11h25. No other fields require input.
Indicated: 6h46
